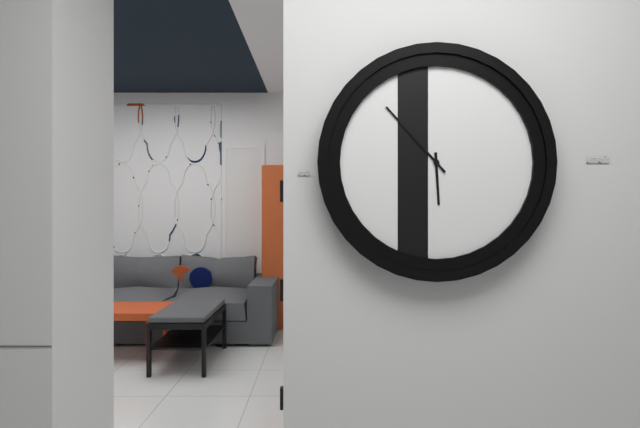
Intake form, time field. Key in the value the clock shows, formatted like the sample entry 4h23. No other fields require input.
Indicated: 5h53
